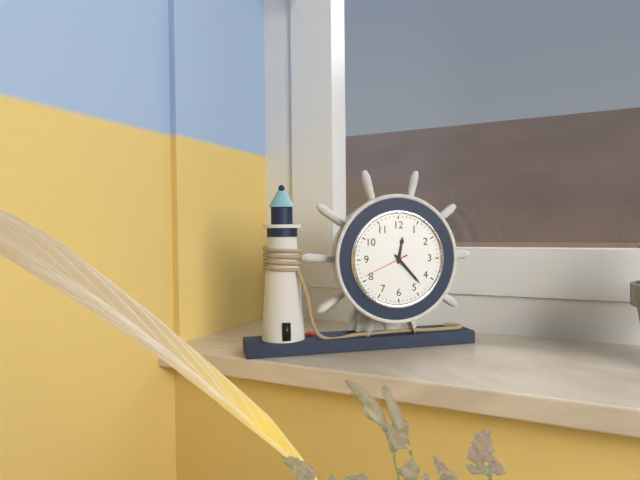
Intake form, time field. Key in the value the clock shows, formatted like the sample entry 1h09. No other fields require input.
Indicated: 12h23
